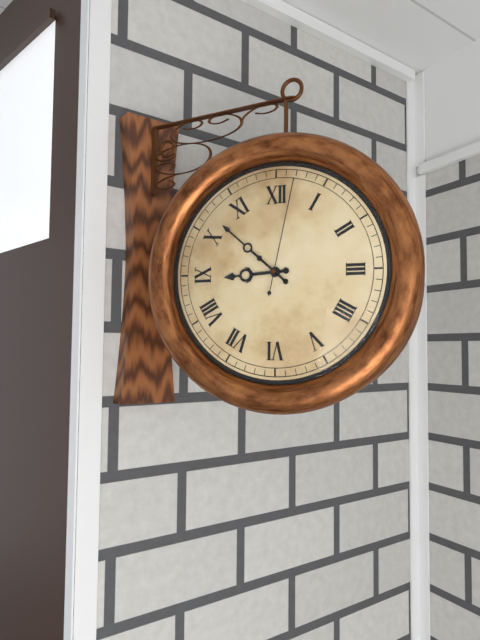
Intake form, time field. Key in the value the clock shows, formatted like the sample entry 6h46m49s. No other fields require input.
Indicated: 8h52m02s
